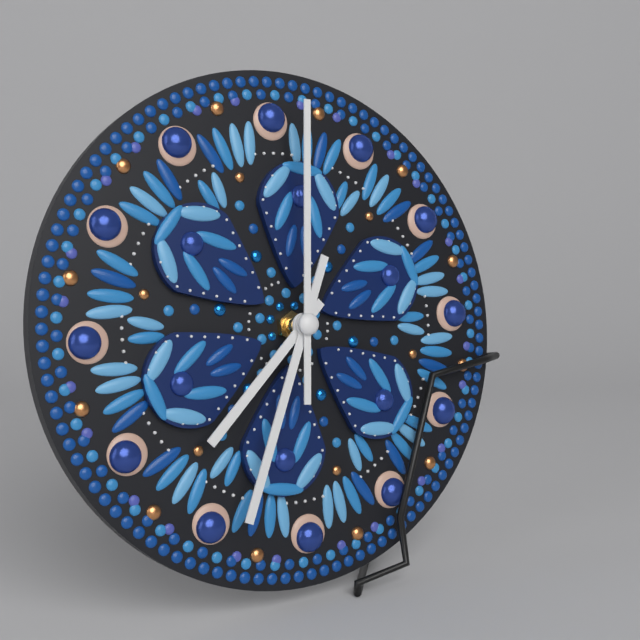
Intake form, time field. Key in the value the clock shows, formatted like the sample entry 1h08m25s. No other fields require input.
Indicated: 7h34m01s
